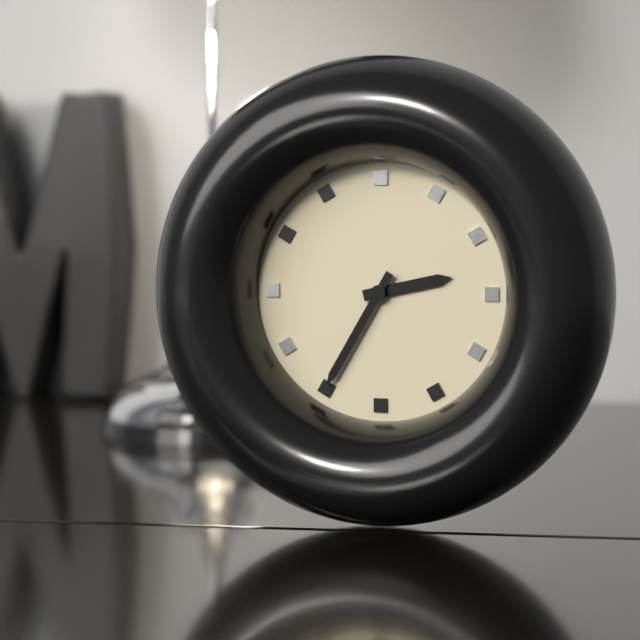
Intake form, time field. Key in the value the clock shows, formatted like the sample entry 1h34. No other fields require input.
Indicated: 2h35
